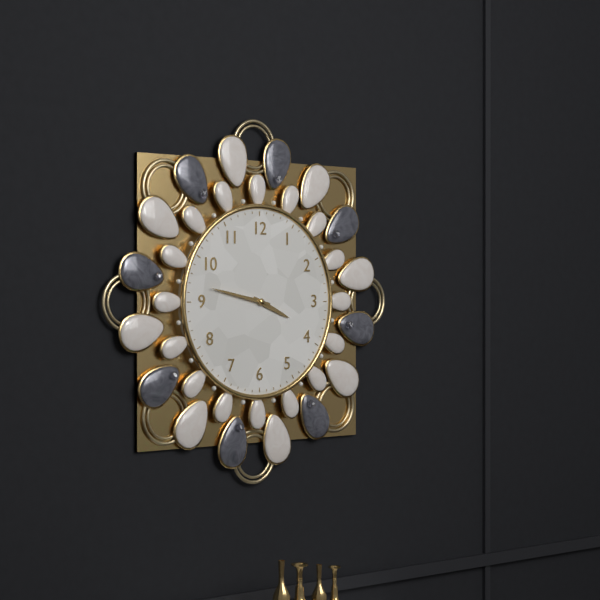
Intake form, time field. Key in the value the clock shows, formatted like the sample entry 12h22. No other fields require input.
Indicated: 3h47
